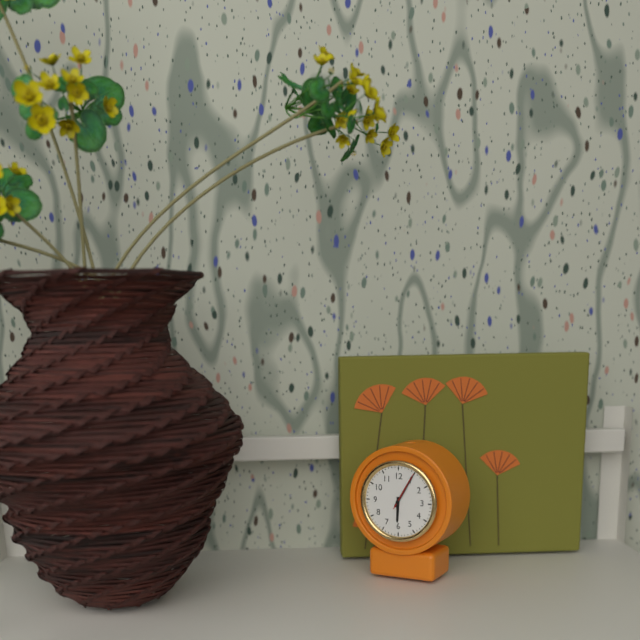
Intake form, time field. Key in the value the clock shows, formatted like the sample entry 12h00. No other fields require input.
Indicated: 6h05
